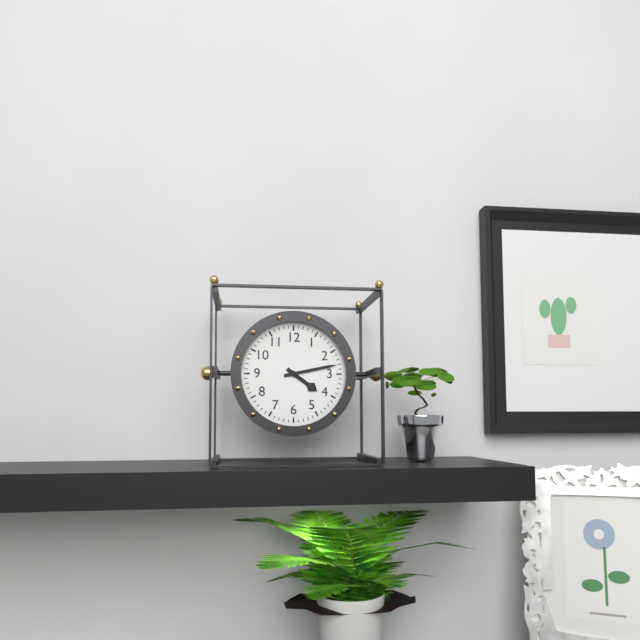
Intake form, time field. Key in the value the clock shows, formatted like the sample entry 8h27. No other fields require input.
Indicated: 4h13
